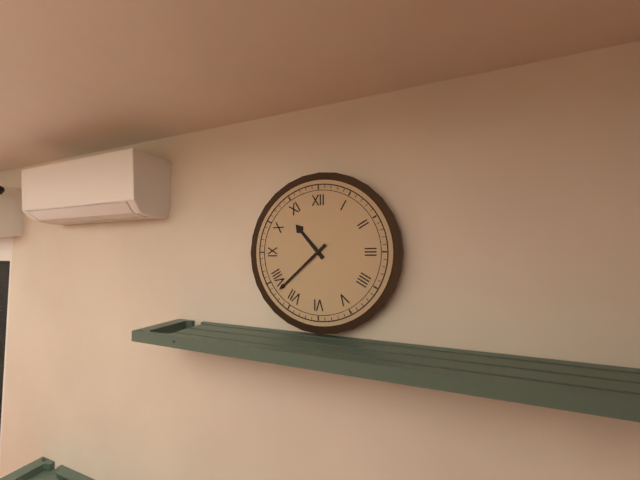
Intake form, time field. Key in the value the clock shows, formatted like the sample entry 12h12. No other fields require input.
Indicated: 10h38
